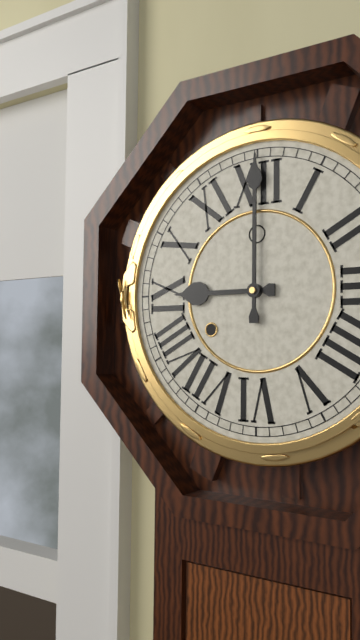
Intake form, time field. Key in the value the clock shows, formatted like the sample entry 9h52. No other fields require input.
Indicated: 9h00
